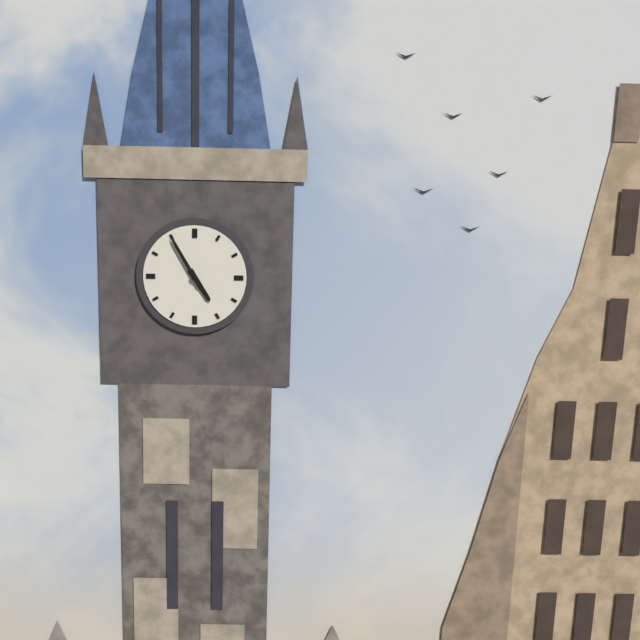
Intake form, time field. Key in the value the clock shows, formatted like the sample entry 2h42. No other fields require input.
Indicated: 4h55
